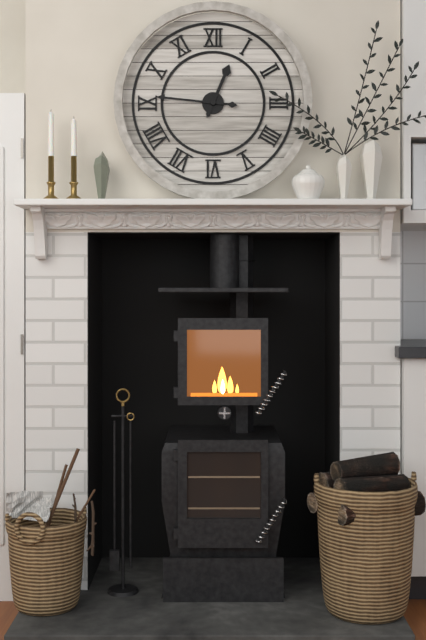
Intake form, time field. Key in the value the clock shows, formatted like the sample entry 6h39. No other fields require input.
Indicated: 12h46
